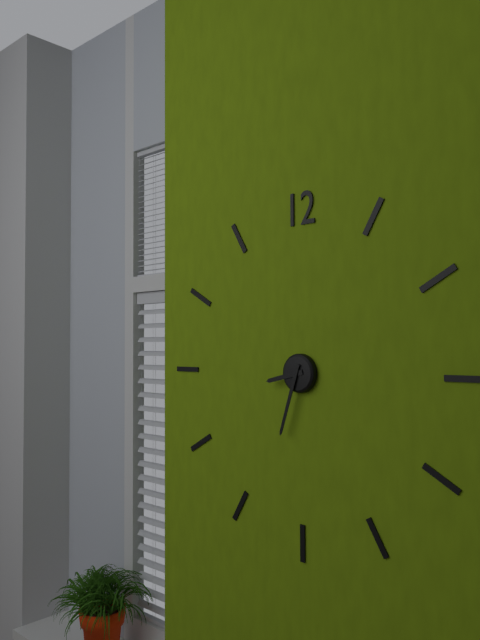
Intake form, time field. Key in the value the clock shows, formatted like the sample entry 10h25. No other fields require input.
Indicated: 8h33
